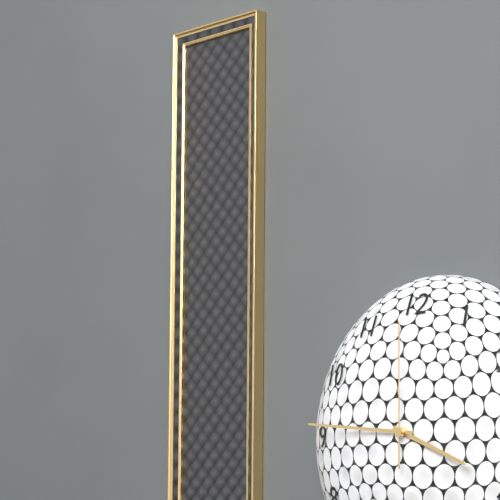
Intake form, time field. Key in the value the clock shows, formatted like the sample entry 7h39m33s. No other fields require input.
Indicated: 3h46m00s
